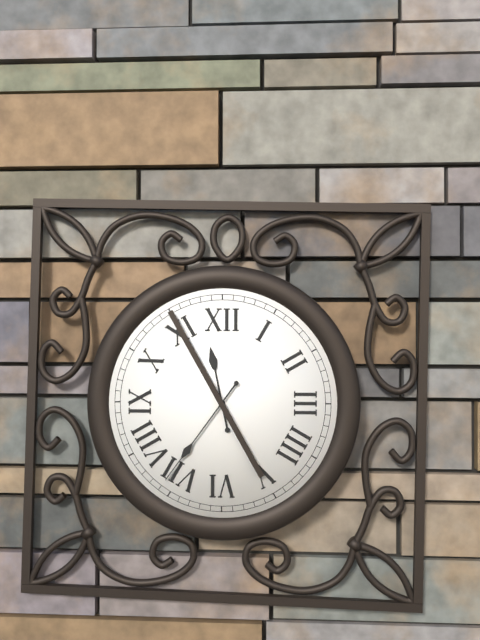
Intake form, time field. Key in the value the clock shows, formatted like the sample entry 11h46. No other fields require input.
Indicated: 11h36
